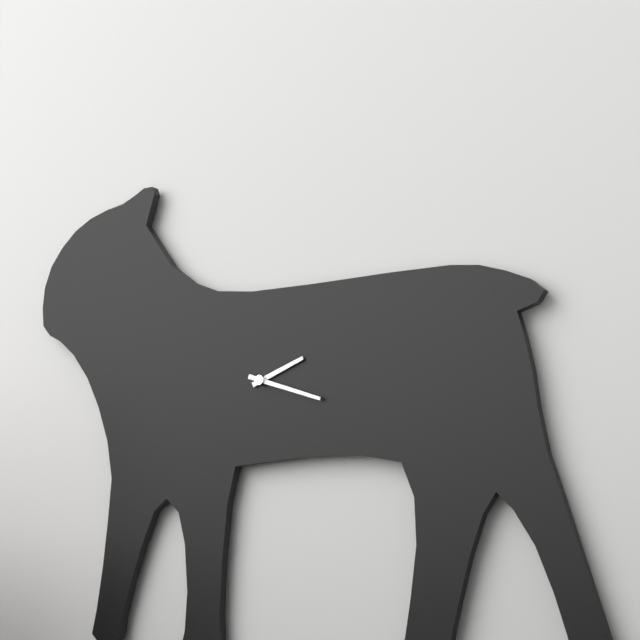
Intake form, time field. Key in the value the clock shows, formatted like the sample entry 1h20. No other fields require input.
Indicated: 2h18
